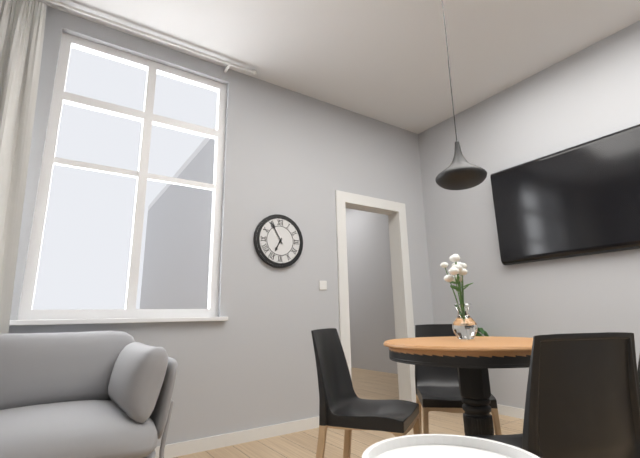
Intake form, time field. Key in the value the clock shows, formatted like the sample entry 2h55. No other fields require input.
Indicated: 6h55
